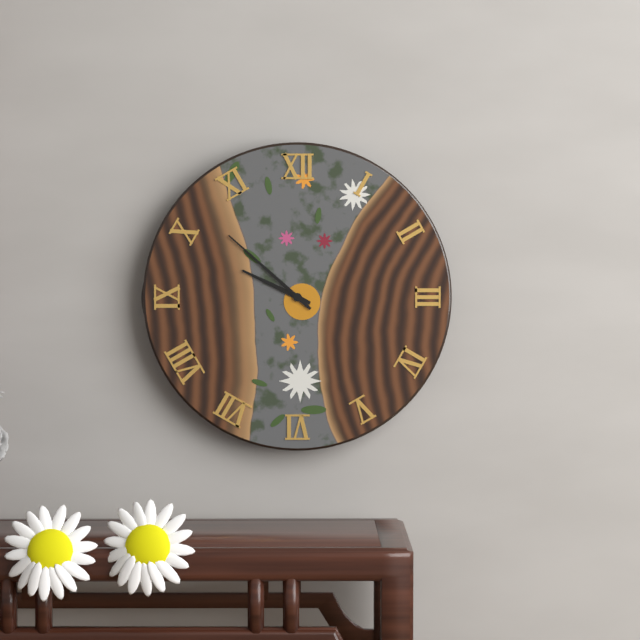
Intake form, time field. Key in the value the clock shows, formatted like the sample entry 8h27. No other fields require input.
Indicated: 9h52
